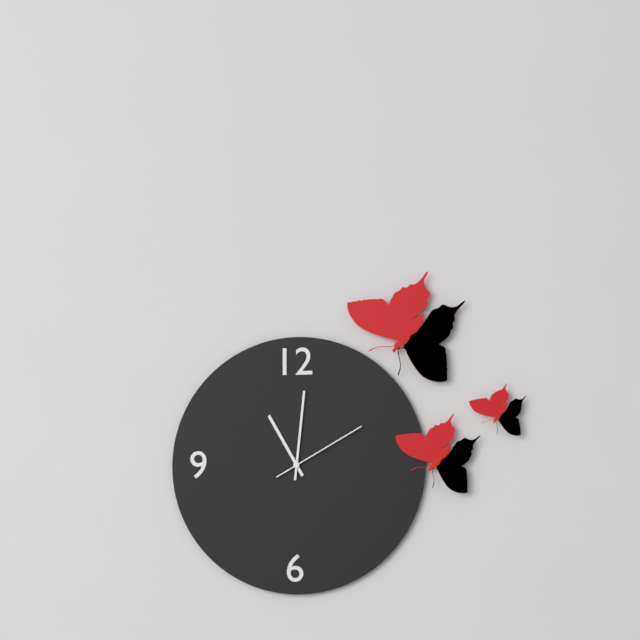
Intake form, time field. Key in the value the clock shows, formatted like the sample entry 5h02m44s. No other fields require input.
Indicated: 11h01m10s
